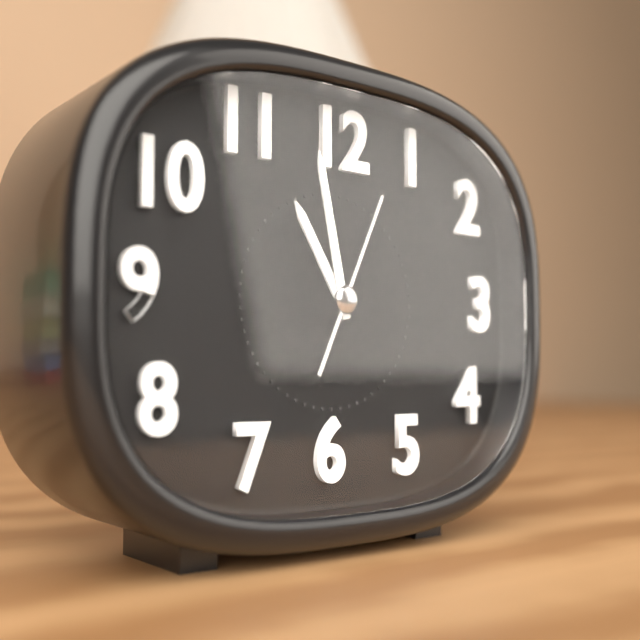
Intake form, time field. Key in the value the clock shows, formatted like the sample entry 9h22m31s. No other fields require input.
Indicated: 10h58m04s
